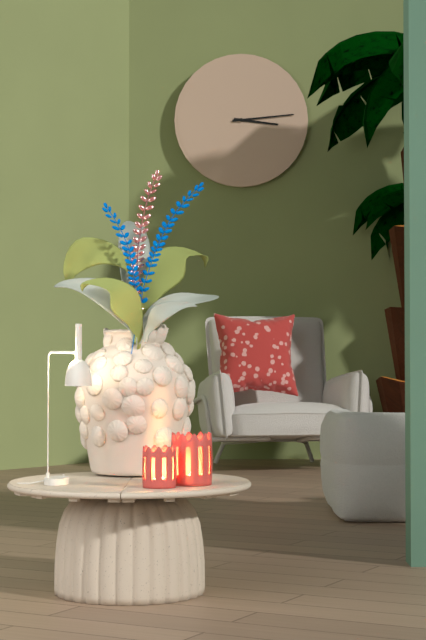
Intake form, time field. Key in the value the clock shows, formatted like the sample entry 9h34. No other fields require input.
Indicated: 3h14
